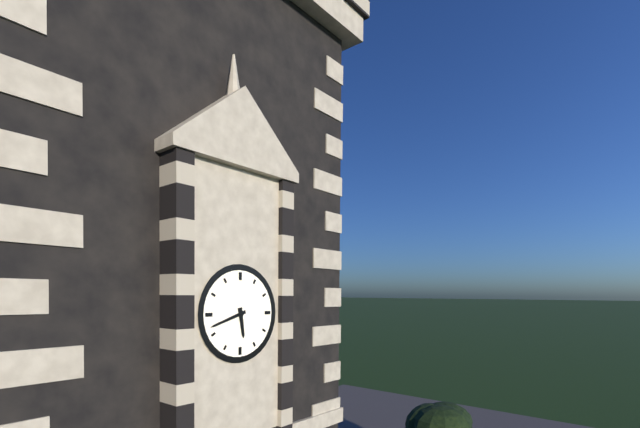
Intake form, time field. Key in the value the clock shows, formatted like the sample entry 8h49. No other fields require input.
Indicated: 5h42
